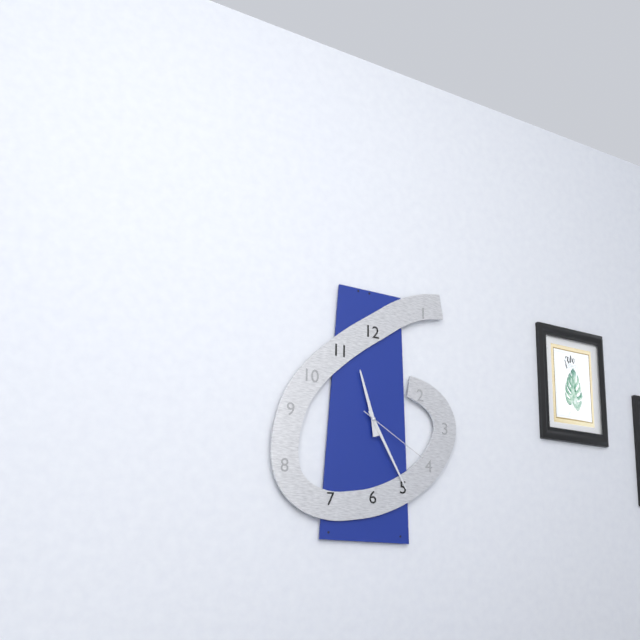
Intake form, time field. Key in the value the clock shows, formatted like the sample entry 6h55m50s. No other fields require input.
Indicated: 11h25m20s
